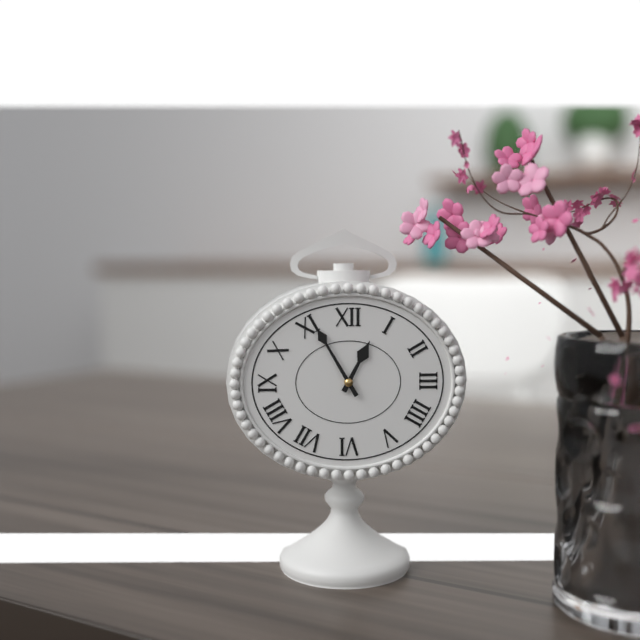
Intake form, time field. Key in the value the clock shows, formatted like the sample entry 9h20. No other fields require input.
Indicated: 12h55
